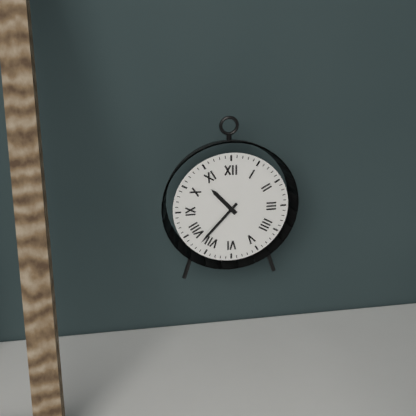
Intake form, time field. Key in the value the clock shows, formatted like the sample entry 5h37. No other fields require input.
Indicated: 10h37
